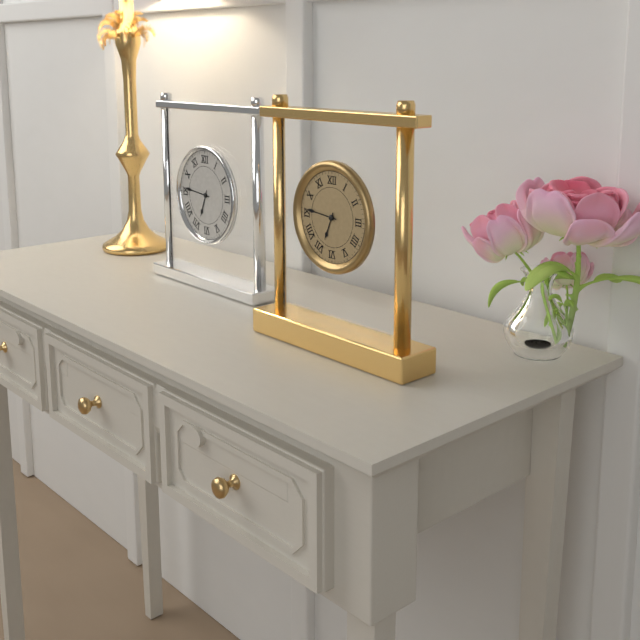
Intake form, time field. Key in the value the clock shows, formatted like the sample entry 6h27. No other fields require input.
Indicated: 6h46
